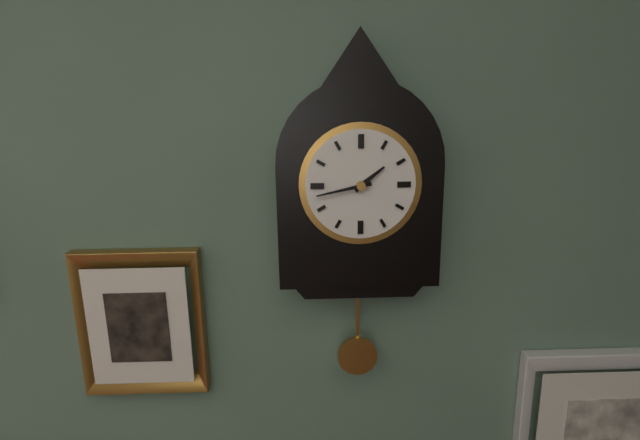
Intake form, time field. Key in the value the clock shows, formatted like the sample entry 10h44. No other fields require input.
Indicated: 1h43
